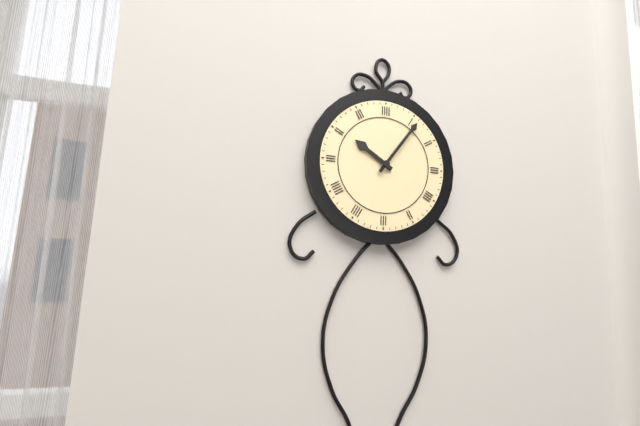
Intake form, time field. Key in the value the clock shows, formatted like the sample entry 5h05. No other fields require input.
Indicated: 10h06
